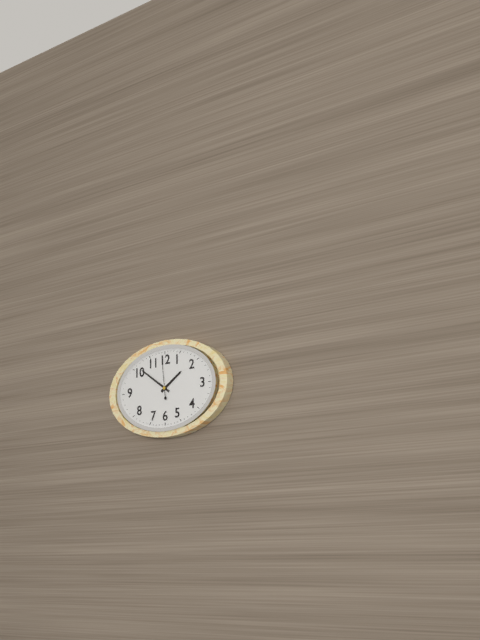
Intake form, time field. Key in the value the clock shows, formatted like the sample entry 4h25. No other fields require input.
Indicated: 1h51
